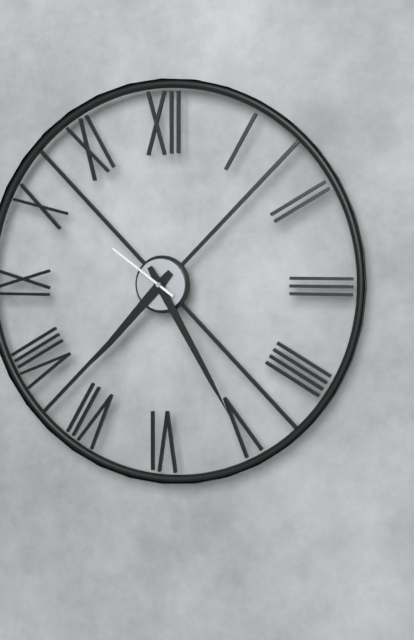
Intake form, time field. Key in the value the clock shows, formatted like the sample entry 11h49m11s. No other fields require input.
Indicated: 7h25m51s
